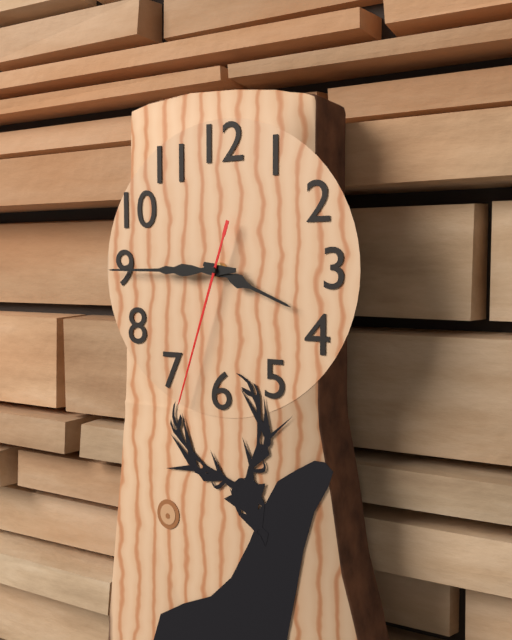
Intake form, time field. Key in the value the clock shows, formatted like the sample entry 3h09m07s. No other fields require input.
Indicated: 3h45m33s
